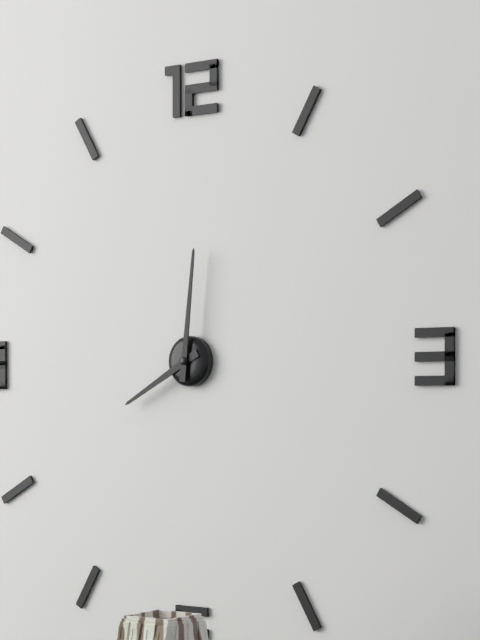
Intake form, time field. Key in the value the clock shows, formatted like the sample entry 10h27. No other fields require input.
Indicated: 8h01
